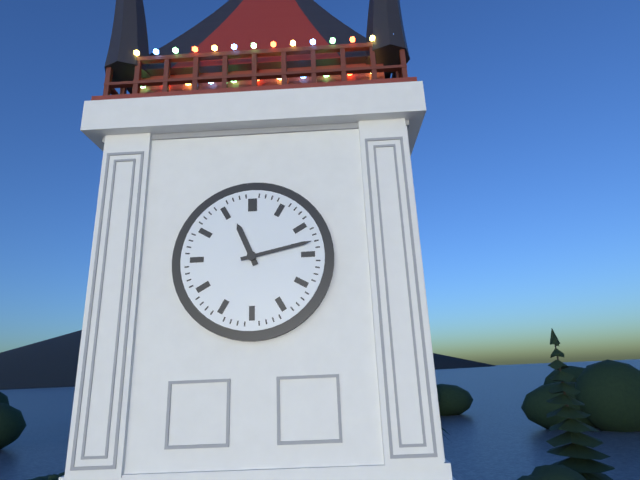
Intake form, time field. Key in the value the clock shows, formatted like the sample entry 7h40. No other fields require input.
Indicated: 11h13
